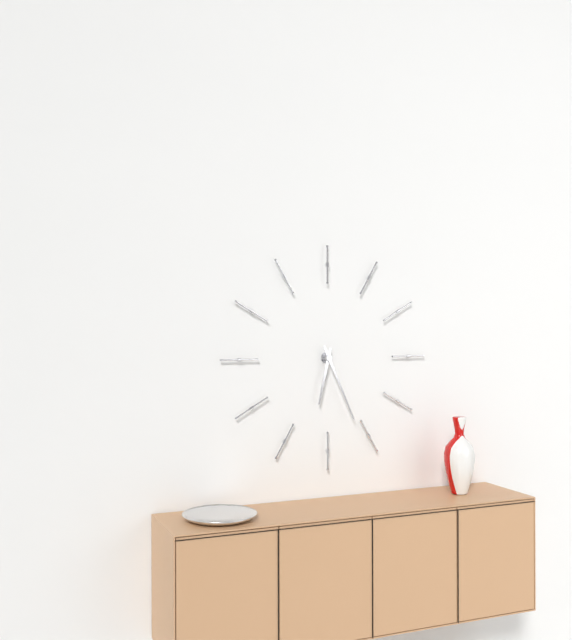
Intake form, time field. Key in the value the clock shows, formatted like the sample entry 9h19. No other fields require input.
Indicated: 6h26
